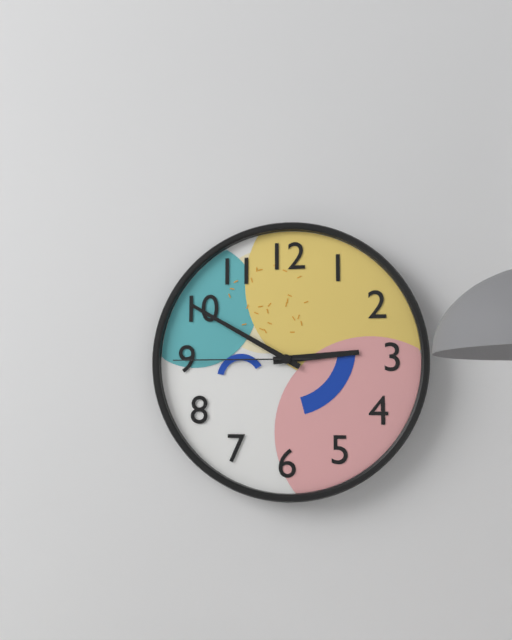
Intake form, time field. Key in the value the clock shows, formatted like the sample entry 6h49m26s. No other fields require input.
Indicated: 2h50m45s
